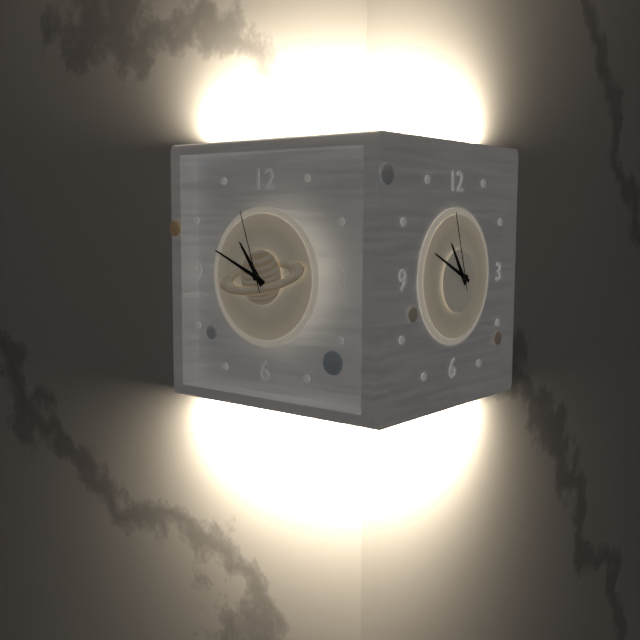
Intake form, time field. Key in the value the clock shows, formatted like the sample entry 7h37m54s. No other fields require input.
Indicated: 10h49m57s
